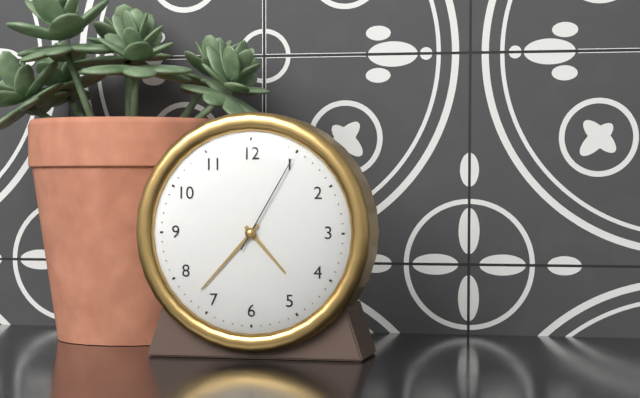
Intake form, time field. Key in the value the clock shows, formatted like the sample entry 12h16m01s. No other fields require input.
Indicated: 4h37m05s
